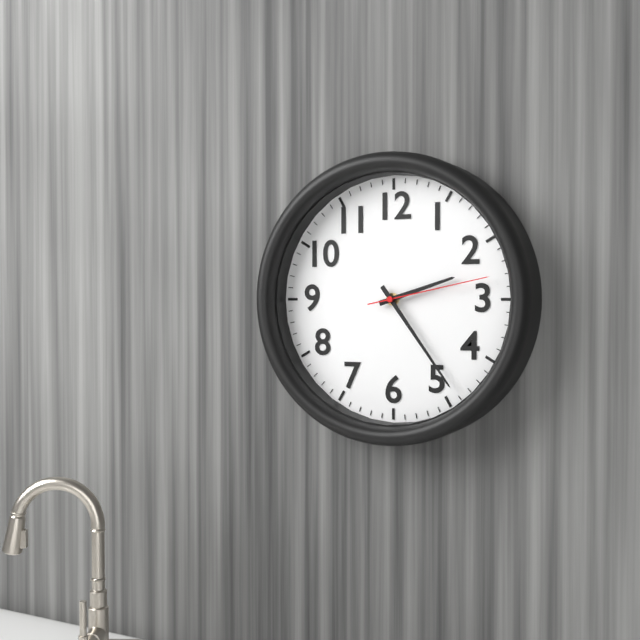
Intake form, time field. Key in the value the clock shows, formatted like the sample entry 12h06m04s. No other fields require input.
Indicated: 2h24m13s
